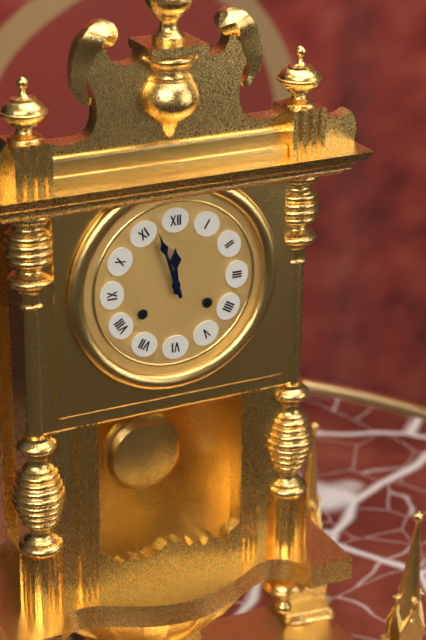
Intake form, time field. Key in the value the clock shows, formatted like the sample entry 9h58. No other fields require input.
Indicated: 11h57
